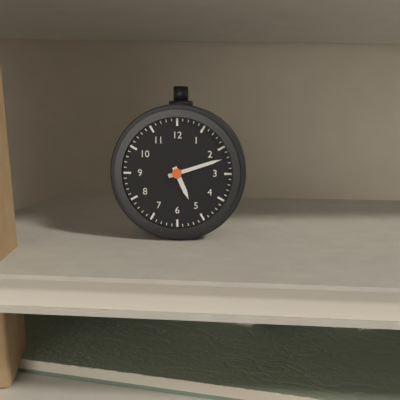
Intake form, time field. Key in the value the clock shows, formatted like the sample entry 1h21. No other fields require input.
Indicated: 5h12
